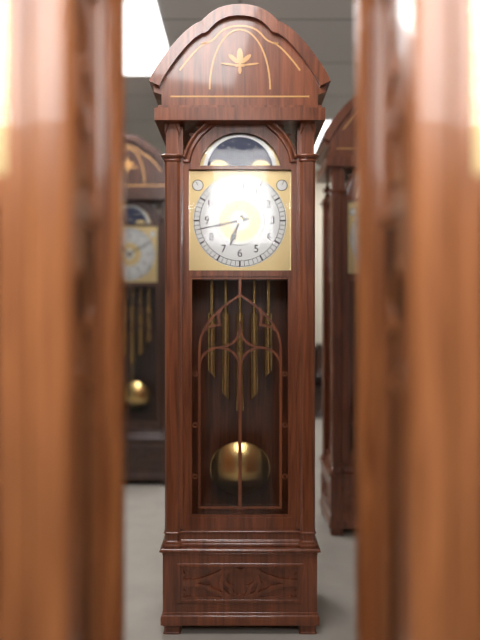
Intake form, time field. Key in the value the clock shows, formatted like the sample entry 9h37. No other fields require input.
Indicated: 6h43
